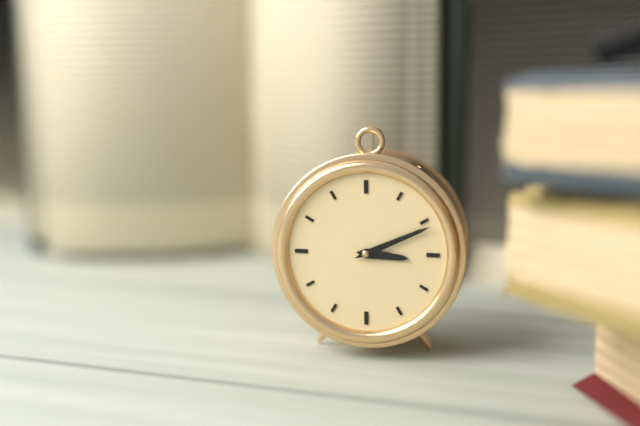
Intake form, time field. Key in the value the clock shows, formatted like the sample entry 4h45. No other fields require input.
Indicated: 3h11
